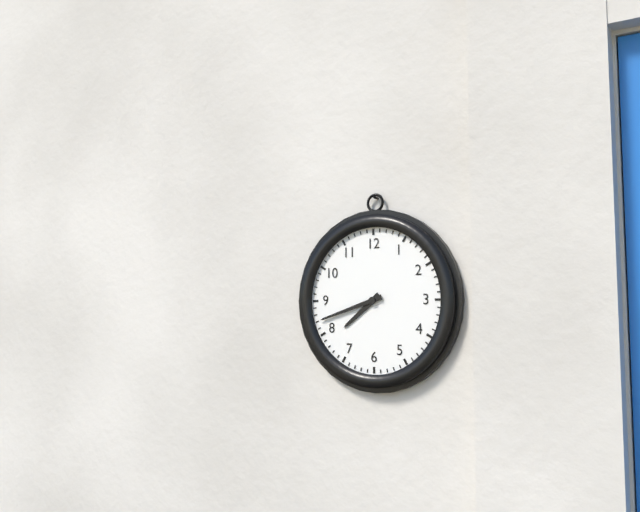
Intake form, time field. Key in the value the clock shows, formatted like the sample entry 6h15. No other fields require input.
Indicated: 7h42
